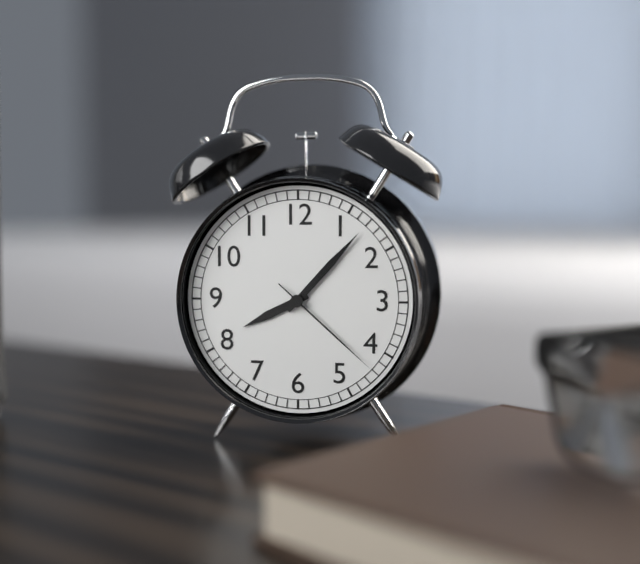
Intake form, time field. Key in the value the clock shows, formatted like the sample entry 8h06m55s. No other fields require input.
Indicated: 8h07m22s
